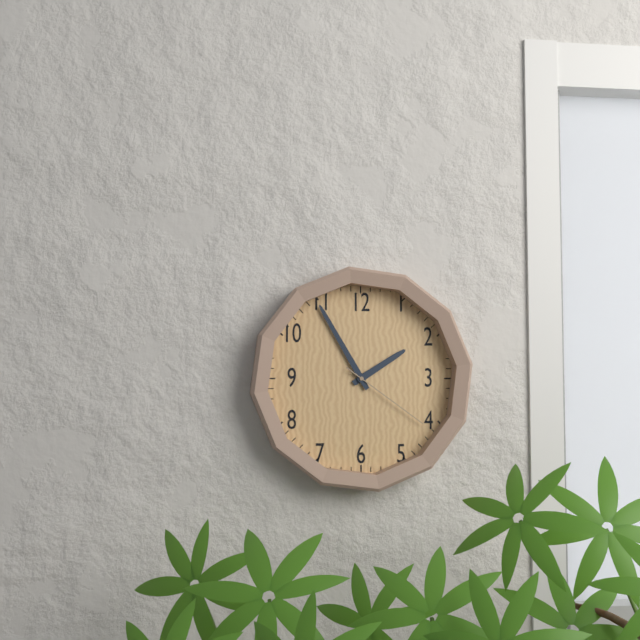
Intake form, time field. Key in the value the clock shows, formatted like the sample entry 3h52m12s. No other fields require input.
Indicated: 1h55m21s
